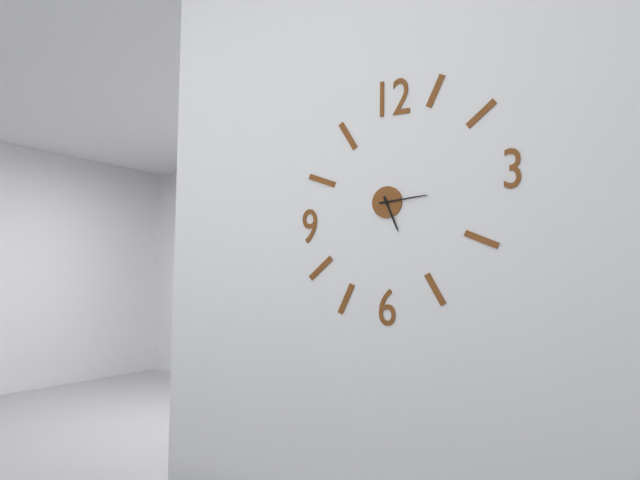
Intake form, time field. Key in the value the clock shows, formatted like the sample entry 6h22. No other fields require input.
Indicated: 5h14
